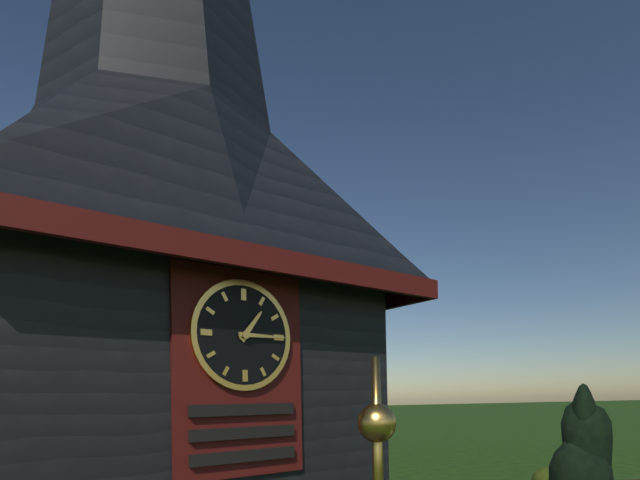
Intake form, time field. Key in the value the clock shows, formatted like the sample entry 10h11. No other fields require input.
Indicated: 1h15
